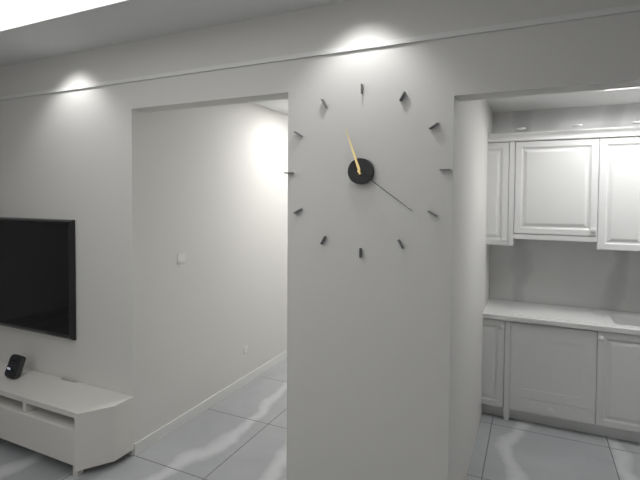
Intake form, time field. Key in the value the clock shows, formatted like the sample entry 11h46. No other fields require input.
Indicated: 11h21
